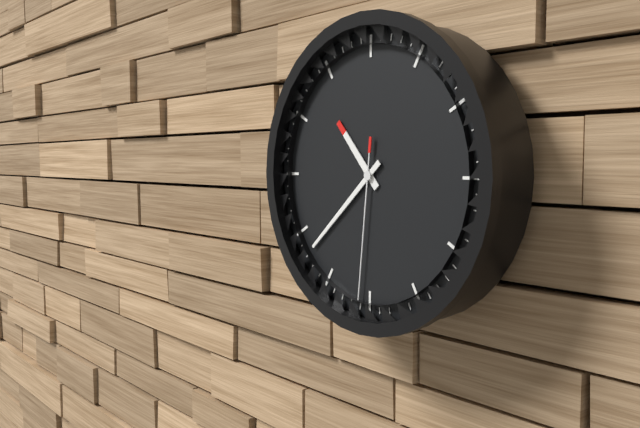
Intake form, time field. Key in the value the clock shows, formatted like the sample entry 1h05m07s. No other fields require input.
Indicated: 10h38m31s
